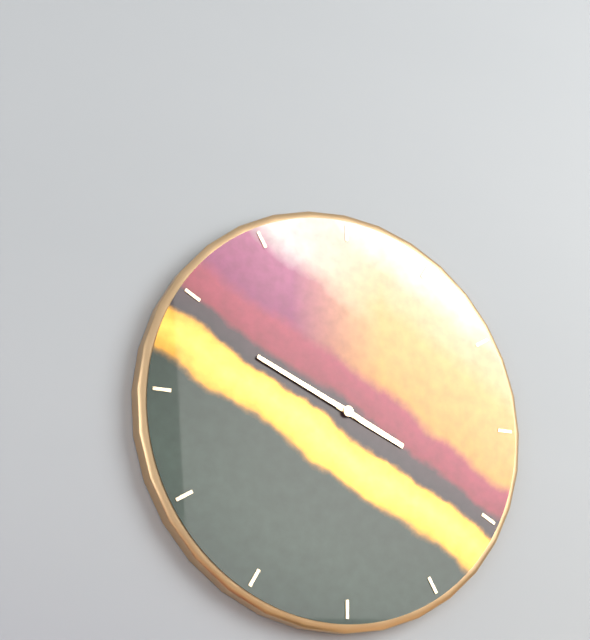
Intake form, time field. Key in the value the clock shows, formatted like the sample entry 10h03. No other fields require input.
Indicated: 3h49
